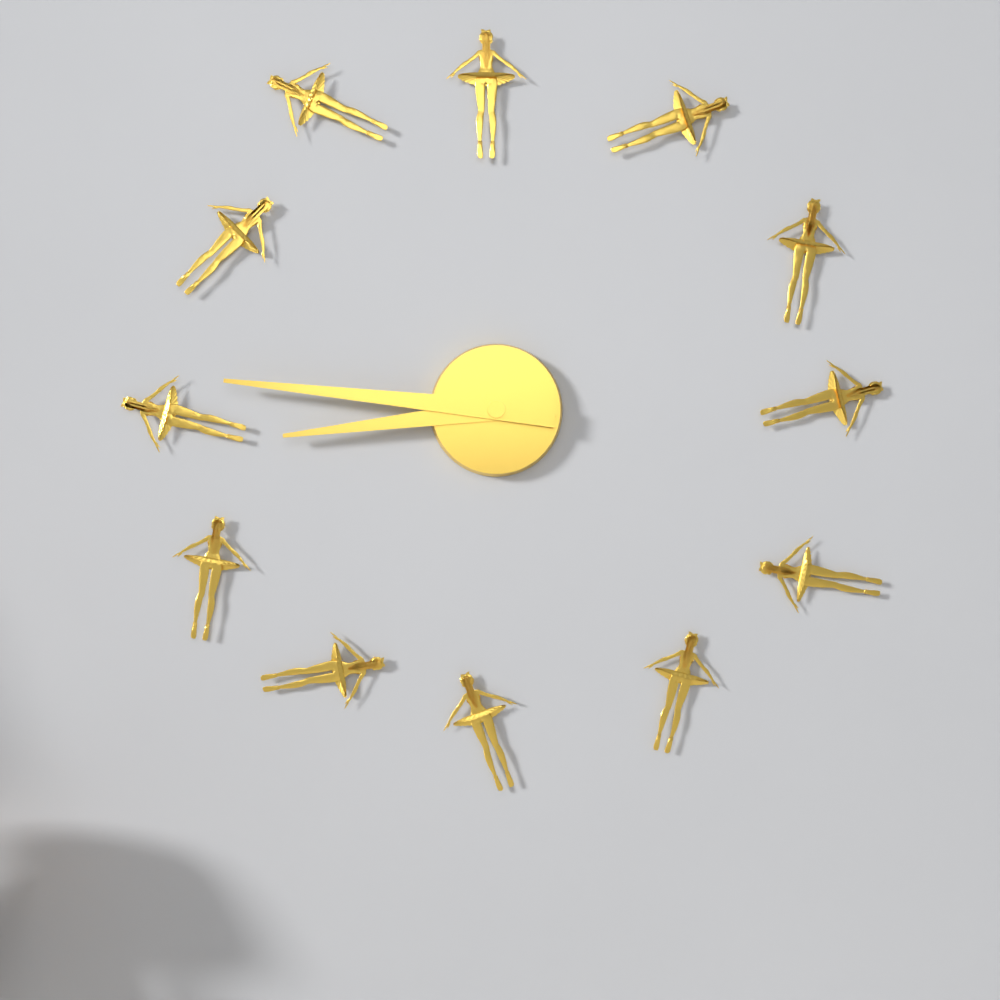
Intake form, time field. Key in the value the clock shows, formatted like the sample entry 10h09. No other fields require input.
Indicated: 8h46
